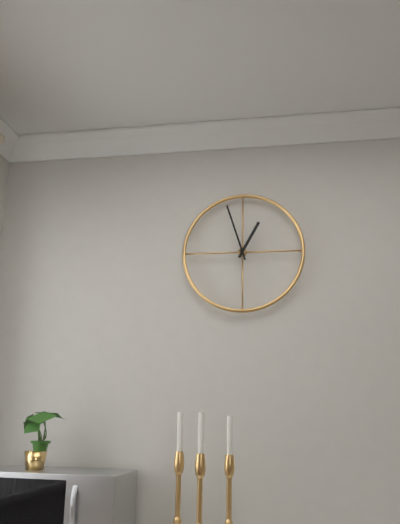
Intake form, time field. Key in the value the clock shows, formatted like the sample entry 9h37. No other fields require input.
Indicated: 12h57
